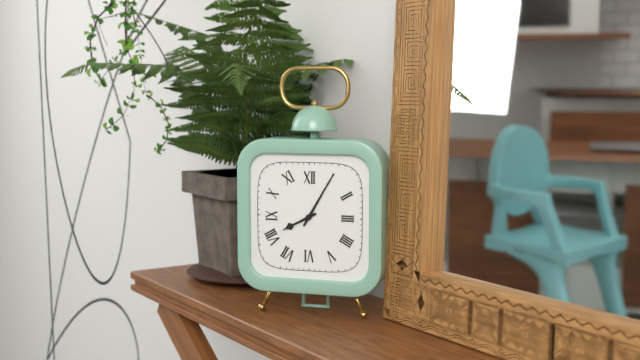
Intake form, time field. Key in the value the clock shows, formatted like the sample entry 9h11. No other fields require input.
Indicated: 8h05
